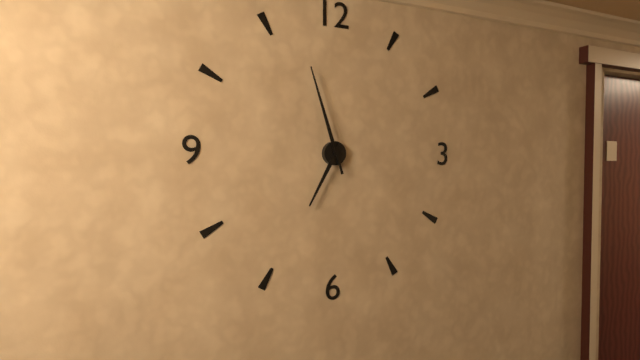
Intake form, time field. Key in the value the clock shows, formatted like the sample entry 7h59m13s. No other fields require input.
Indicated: 6h57m57s
